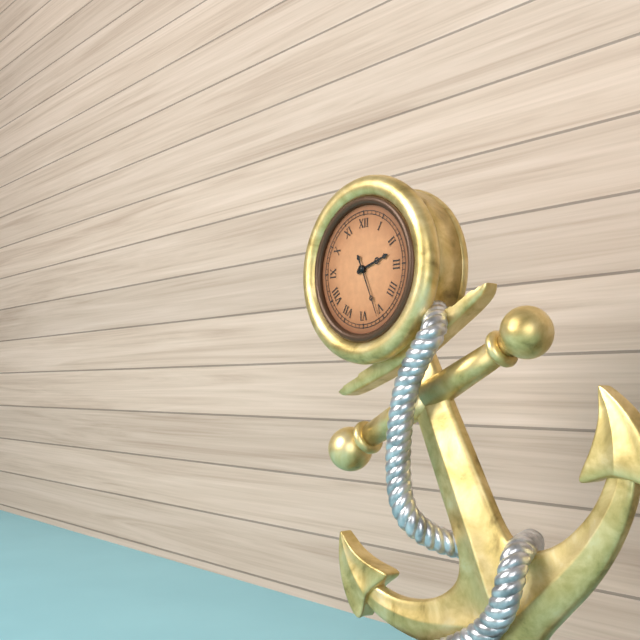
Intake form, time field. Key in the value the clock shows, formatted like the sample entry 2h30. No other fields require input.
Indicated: 2h26
